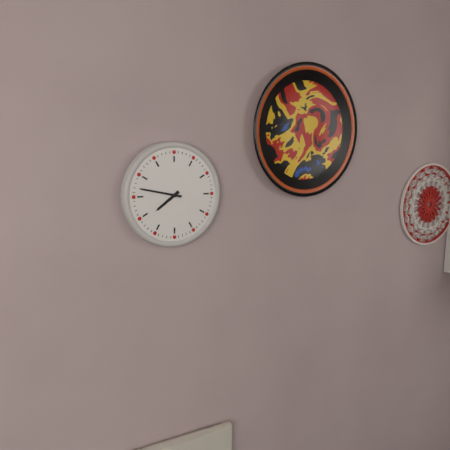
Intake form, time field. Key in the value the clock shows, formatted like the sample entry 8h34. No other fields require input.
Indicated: 7h47
